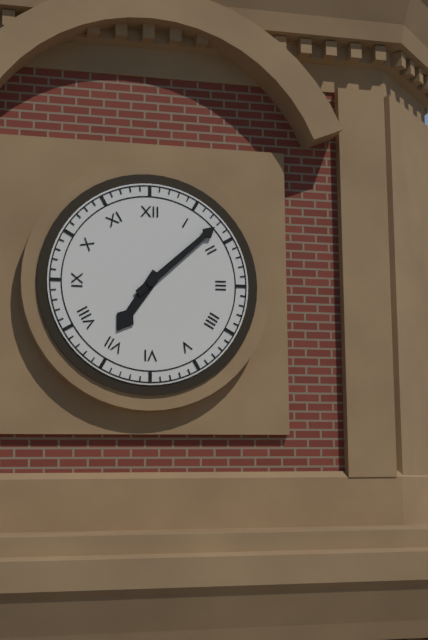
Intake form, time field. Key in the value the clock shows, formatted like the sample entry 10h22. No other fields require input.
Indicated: 7h08
